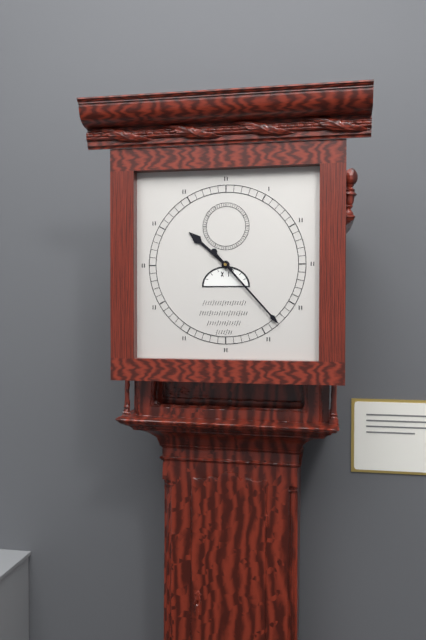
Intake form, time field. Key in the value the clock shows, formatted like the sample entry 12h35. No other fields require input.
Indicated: 10h23
